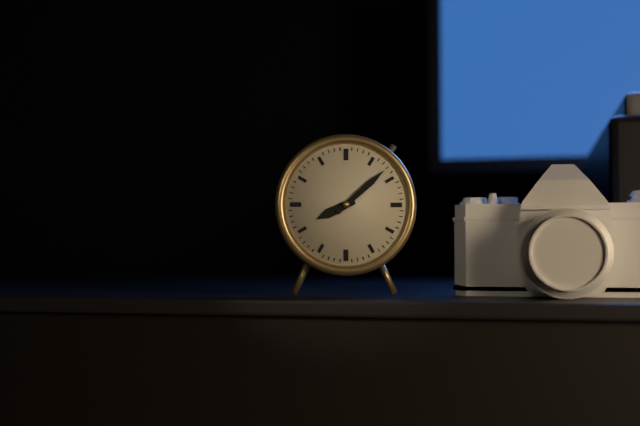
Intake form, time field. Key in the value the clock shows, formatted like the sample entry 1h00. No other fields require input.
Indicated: 8h08
